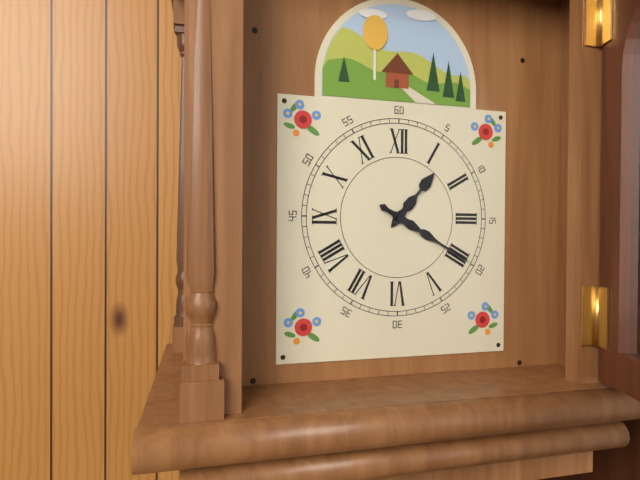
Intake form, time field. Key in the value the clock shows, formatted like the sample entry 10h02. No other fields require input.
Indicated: 1h20
